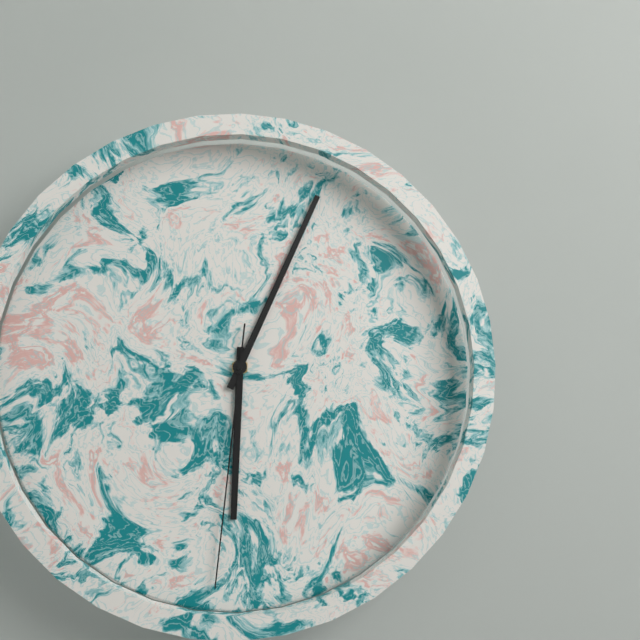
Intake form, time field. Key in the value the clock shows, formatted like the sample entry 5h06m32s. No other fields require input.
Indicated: 6h04m31s
